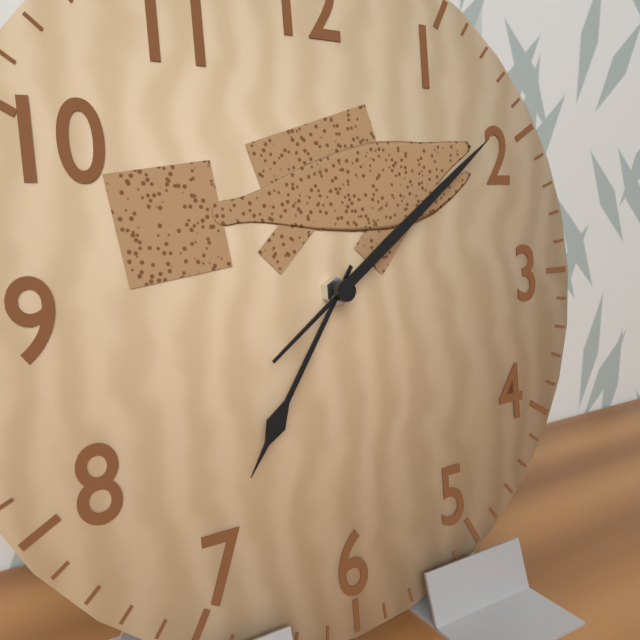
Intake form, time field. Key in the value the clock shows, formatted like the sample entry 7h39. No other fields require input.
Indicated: 7h09
